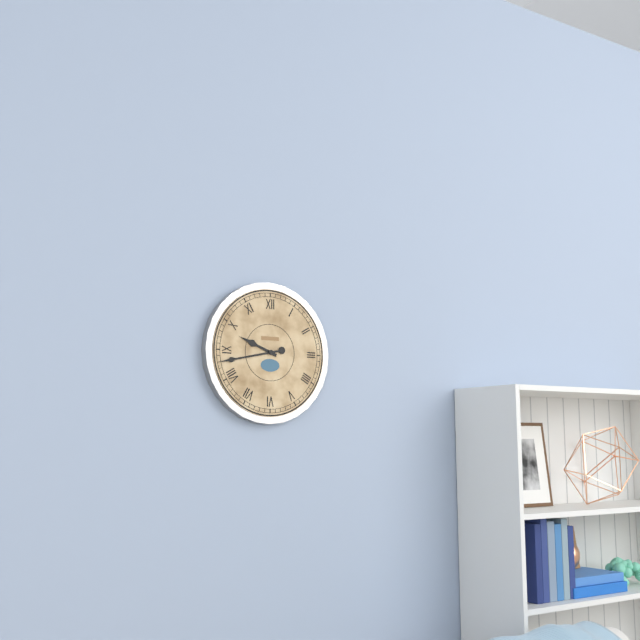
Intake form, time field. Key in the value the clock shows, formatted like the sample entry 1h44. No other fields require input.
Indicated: 9h43
